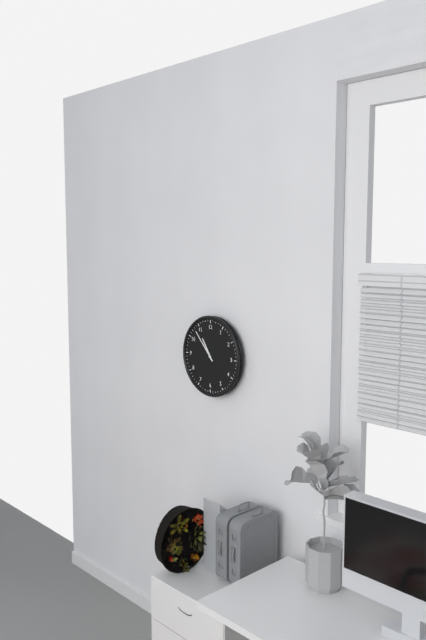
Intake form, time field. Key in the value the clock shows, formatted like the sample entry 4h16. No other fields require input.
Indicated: 10h53
